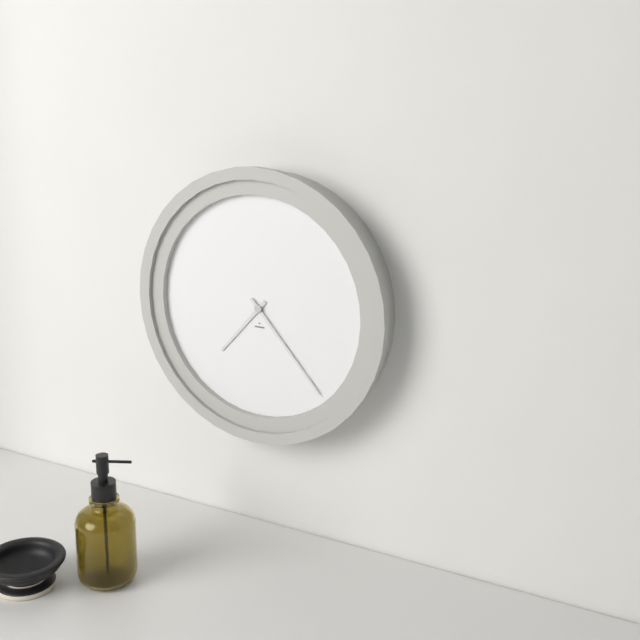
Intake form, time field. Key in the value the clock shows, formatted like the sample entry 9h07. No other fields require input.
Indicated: 7h23
